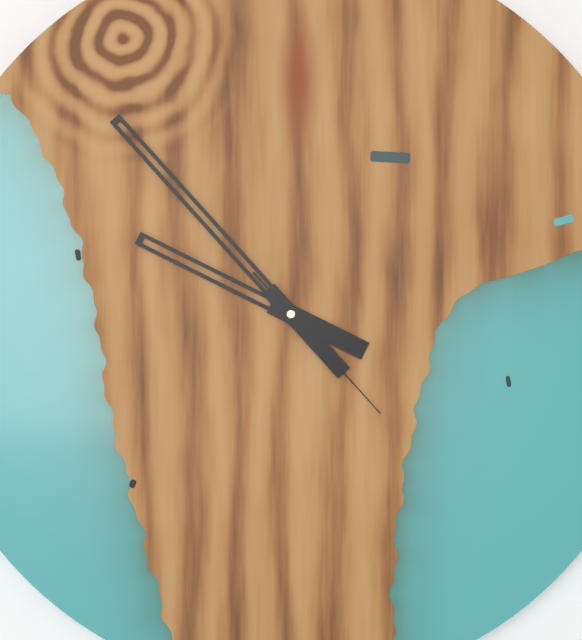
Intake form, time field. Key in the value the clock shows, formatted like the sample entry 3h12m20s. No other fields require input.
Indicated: 9h53m23s
